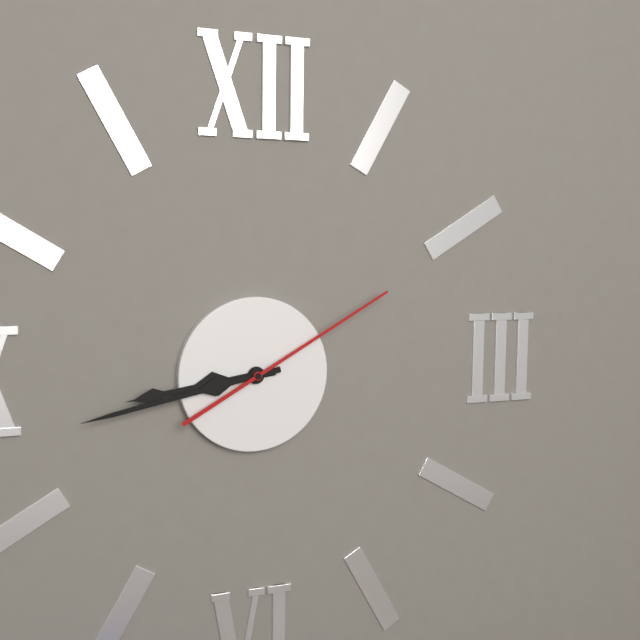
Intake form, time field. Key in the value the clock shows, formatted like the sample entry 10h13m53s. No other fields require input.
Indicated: 8h43m10s
